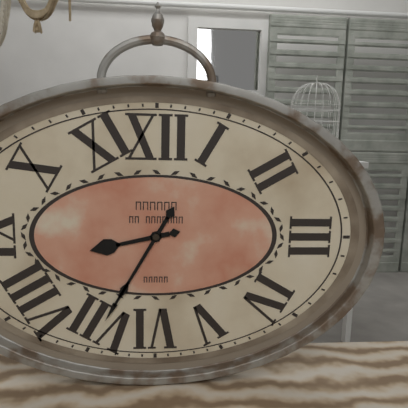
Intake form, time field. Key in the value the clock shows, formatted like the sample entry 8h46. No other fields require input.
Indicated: 8h35
